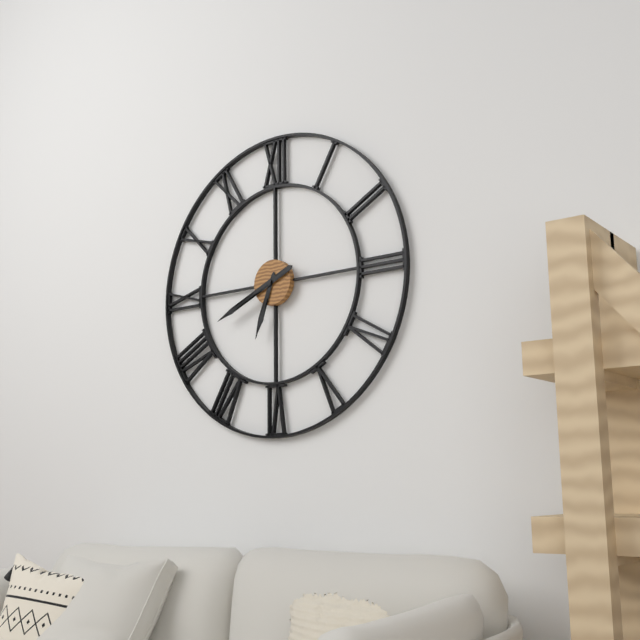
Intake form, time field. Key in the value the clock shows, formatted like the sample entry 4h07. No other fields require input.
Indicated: 6h41
